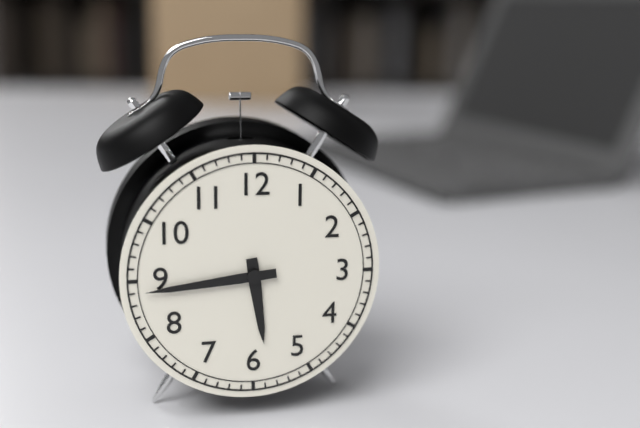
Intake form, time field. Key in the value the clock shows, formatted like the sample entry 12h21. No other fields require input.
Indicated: 5h44
